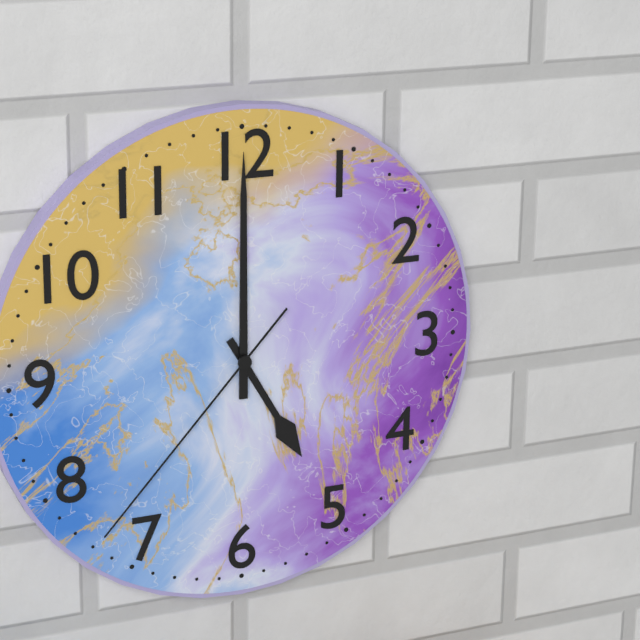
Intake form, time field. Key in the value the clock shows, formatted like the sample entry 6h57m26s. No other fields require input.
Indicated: 5h00m37s
